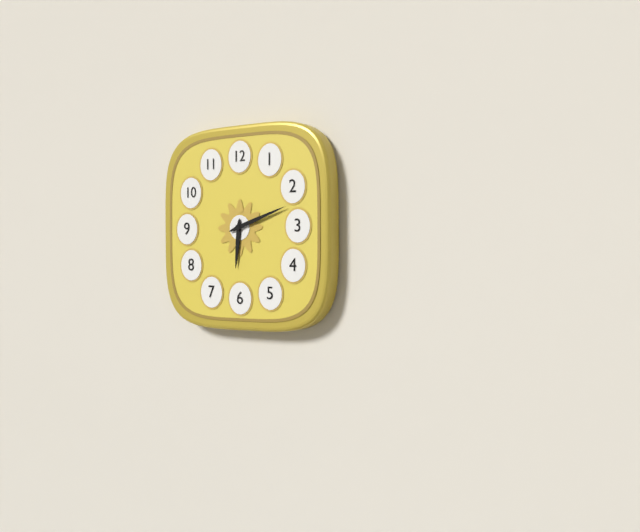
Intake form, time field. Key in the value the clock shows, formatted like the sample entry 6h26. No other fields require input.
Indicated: 6h12
